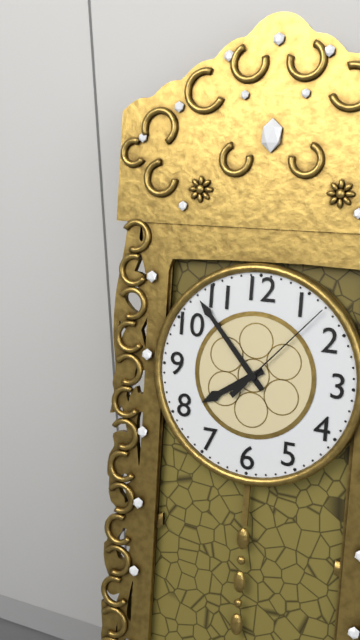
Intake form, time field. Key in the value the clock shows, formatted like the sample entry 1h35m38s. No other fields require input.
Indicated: 7h53m07s
